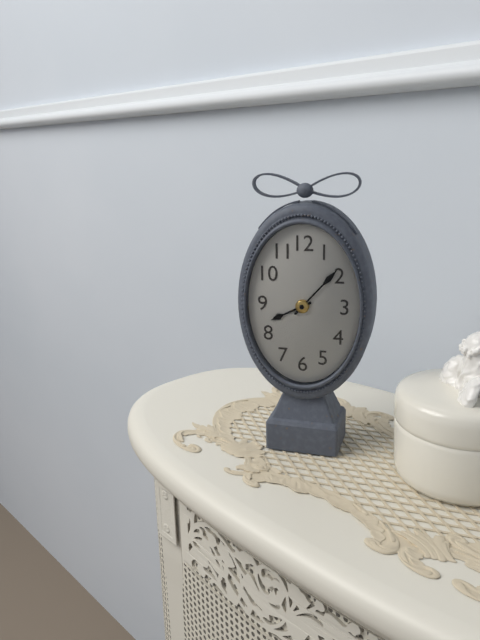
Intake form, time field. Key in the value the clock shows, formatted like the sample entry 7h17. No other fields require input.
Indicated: 8h07
